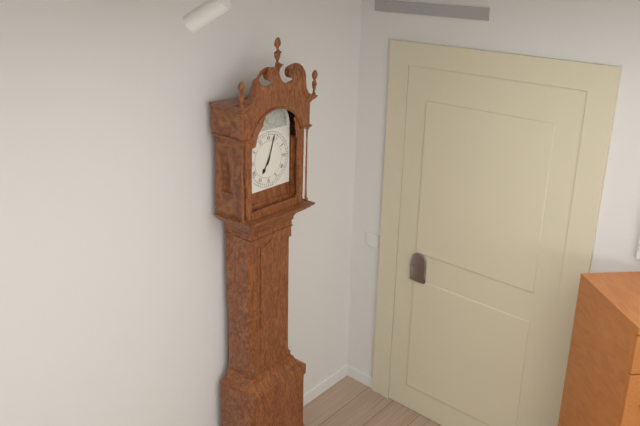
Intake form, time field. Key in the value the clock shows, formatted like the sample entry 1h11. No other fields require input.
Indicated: 7h03
